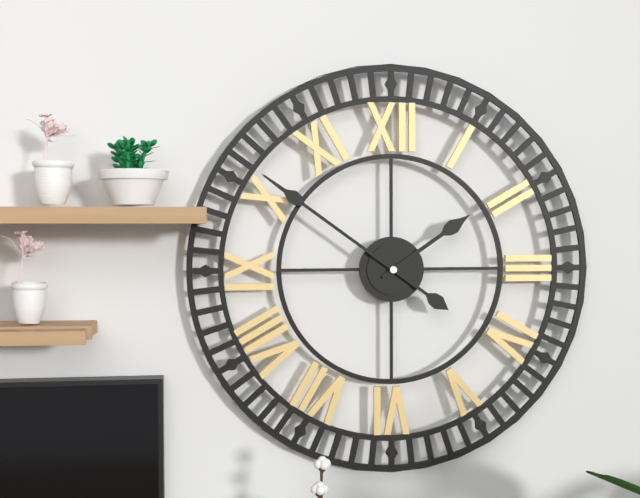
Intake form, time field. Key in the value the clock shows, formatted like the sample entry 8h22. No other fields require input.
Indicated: 1h51
